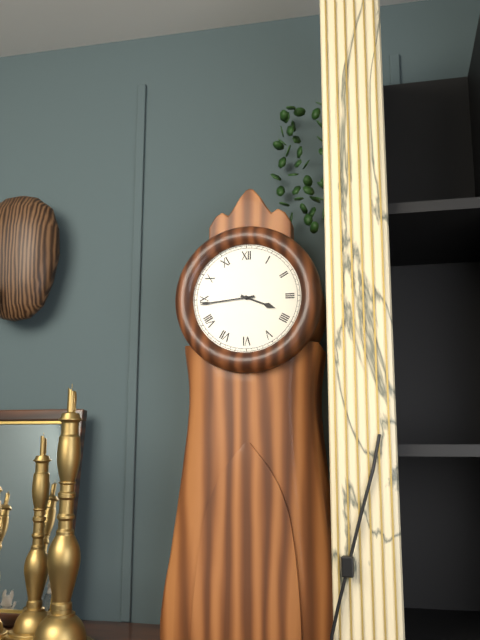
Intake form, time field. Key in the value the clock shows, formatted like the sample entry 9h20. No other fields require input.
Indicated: 3h44
